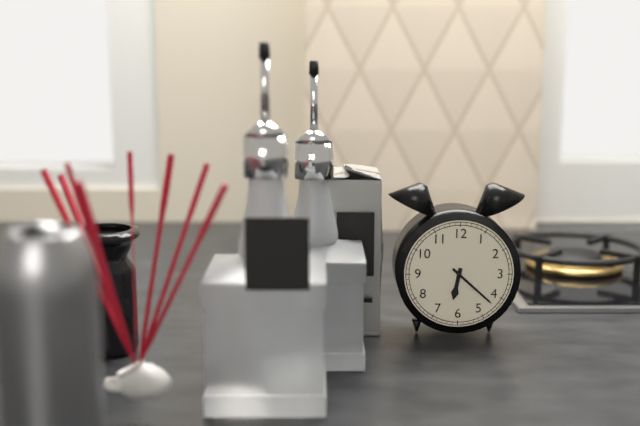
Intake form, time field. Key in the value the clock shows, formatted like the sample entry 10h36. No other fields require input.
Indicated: 6h22
